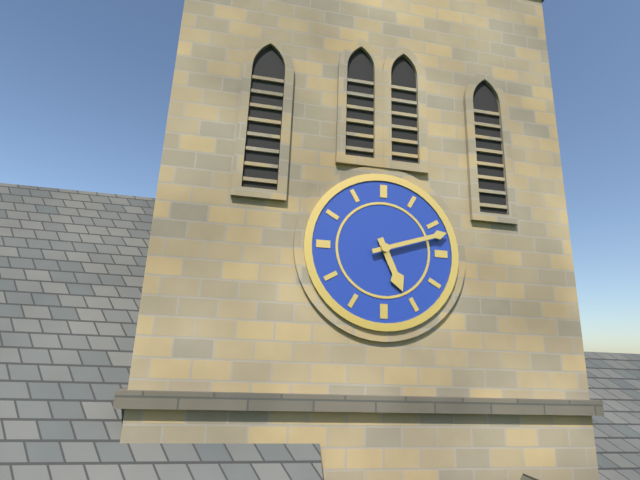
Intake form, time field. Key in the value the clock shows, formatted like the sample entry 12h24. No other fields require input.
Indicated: 5h12
